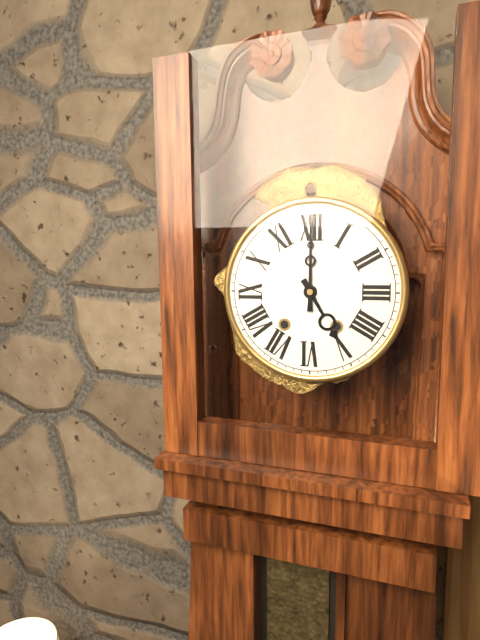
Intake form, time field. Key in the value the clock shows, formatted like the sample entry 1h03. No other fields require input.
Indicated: 5h00
